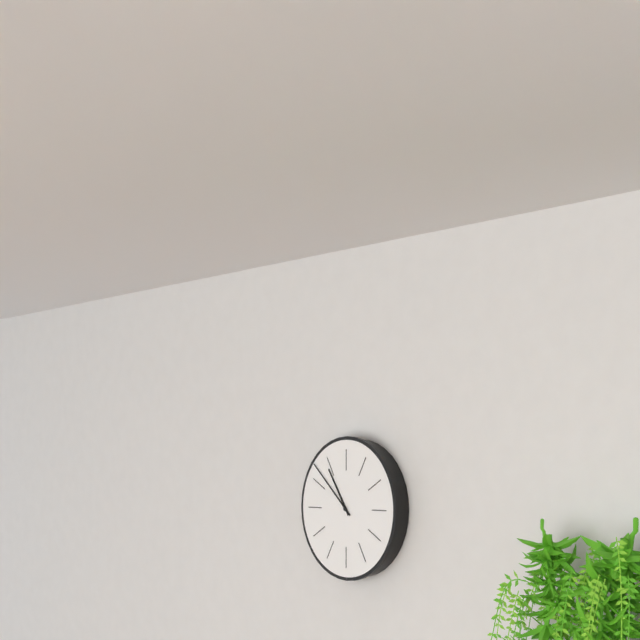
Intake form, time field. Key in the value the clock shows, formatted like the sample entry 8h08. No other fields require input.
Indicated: 10h52
